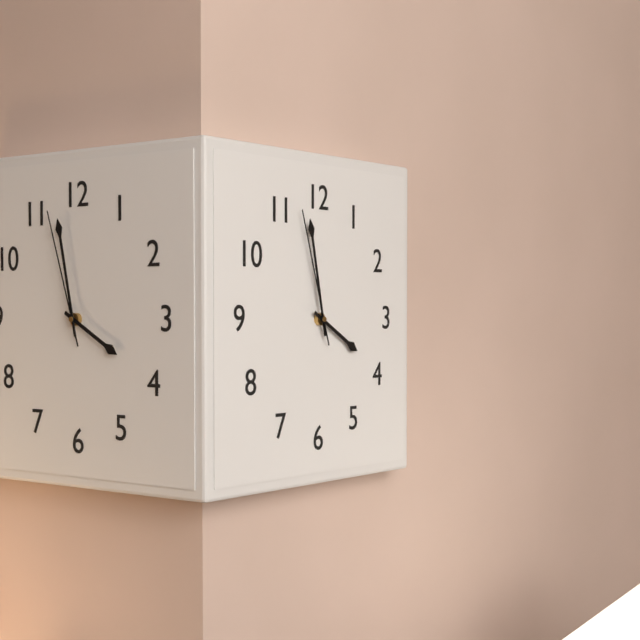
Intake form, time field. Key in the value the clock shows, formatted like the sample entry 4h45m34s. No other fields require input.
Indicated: 3h58m57s
